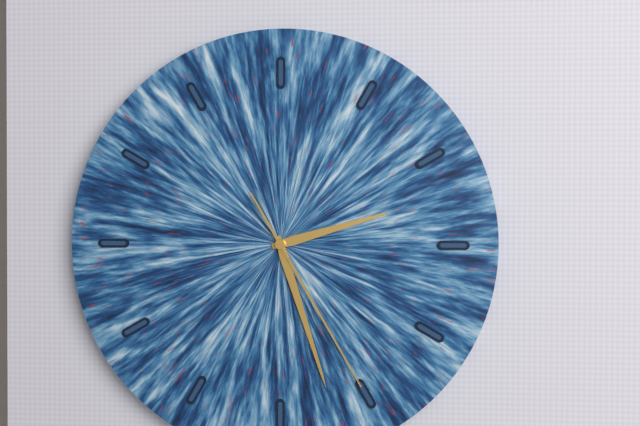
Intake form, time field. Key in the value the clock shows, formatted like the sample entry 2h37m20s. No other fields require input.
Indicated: 2h27m25s
